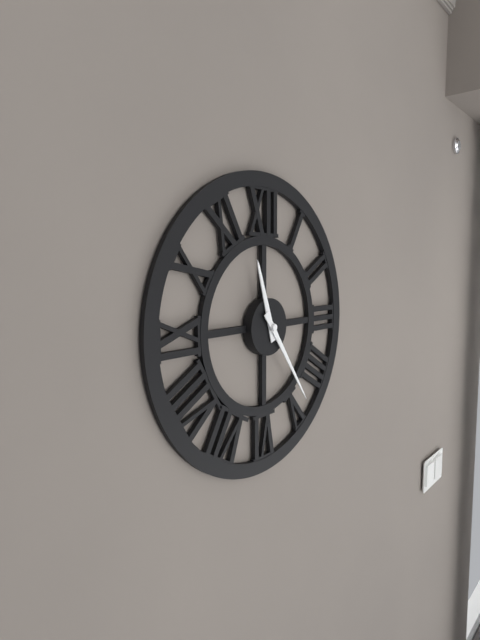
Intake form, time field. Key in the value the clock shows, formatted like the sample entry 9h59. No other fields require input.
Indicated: 11h24
